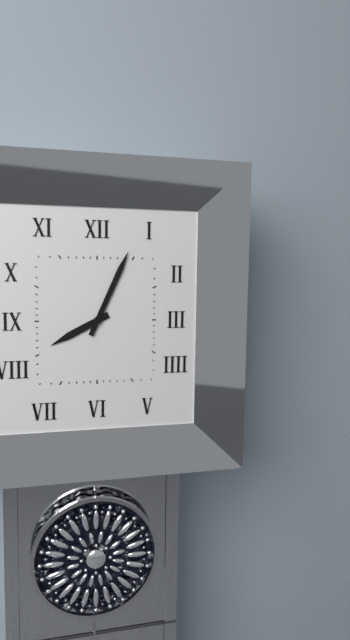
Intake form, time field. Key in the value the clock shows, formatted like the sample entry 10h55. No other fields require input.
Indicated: 8h04
